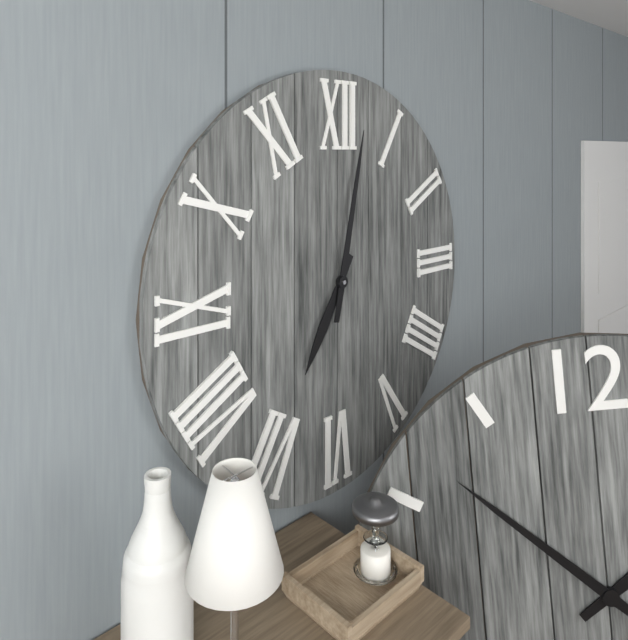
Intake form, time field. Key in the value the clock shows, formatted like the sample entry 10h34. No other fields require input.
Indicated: 7h02
